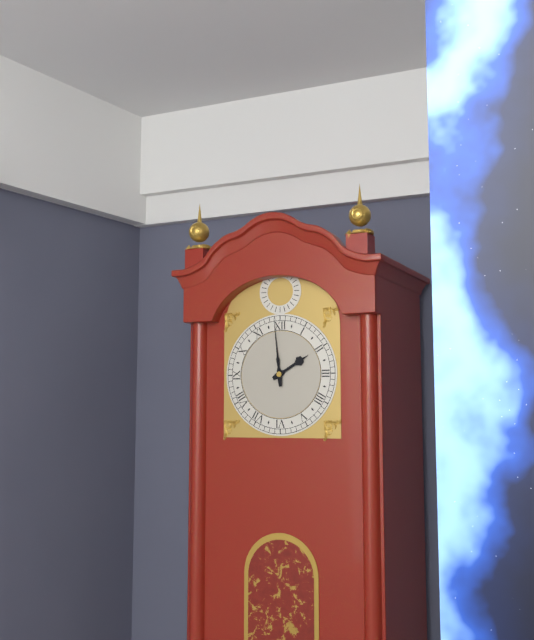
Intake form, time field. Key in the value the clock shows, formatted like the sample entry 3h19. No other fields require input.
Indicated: 1h59
